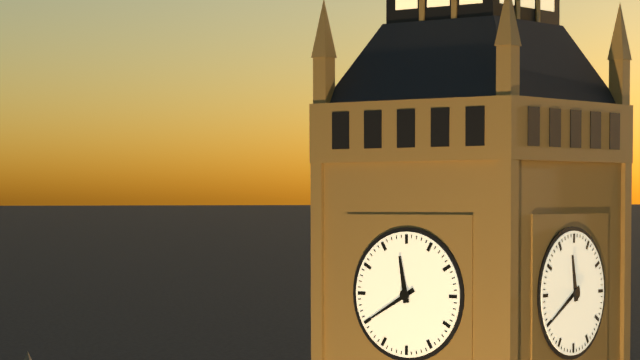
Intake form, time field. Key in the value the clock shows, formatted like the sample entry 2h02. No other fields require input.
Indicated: 11h40
